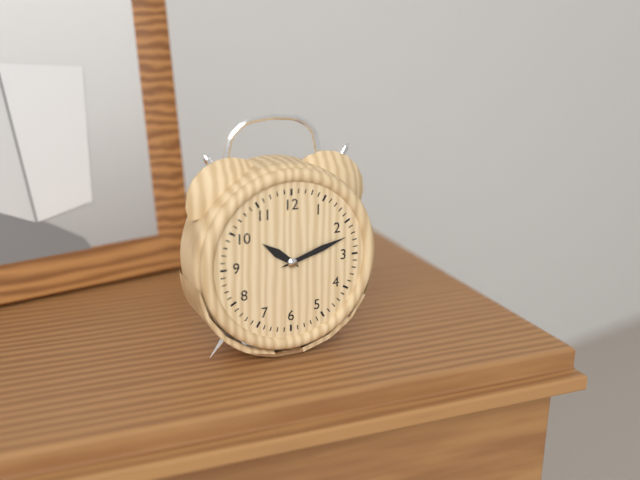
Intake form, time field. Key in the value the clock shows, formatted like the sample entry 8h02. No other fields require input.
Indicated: 10h12
